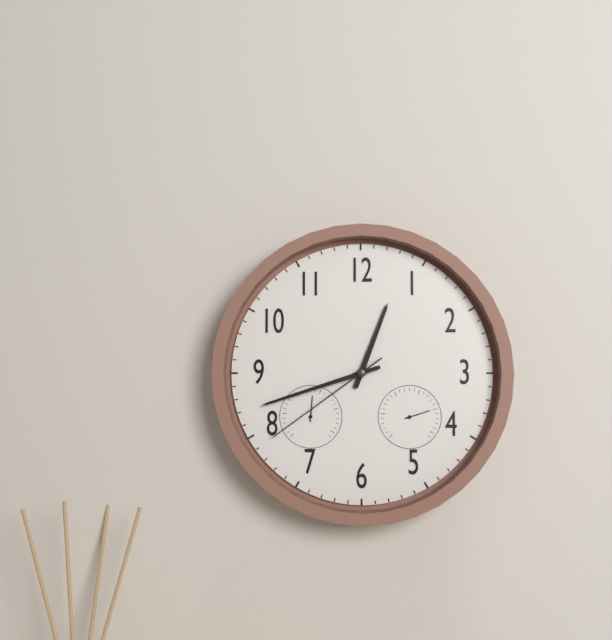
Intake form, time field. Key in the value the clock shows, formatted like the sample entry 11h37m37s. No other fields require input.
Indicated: 12h42m39s
